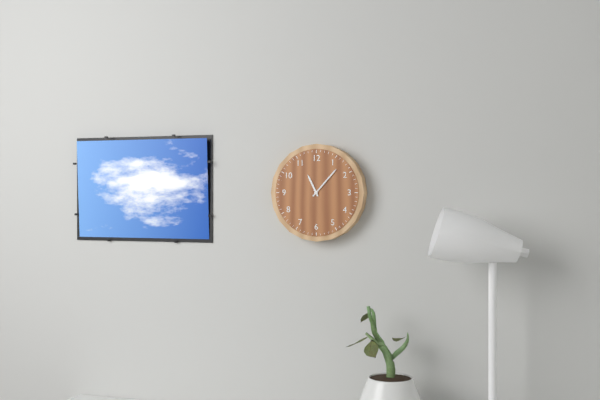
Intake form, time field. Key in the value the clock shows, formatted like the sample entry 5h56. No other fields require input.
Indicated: 11h07
